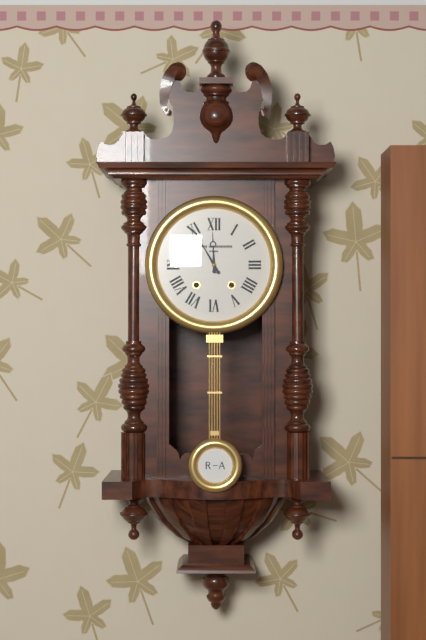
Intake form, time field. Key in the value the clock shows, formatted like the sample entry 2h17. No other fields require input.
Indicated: 11h55
